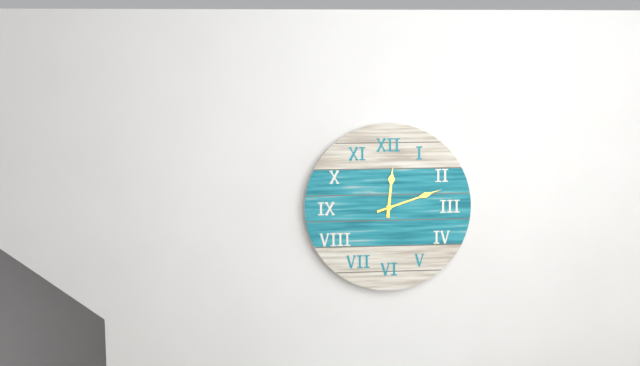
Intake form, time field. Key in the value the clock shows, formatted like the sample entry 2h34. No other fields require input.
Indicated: 12h12
